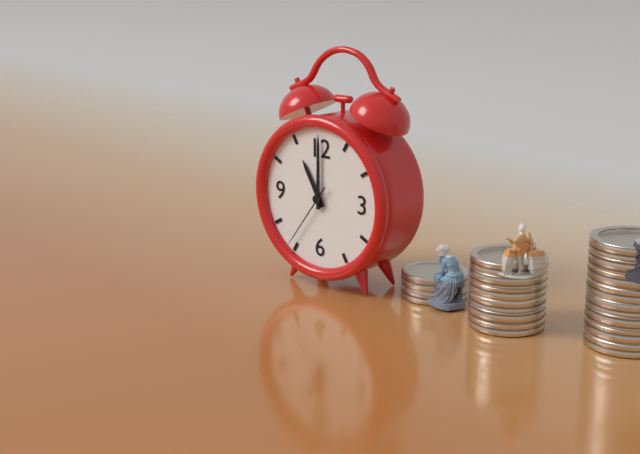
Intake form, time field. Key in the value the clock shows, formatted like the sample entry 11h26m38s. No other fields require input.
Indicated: 11h00m36s
